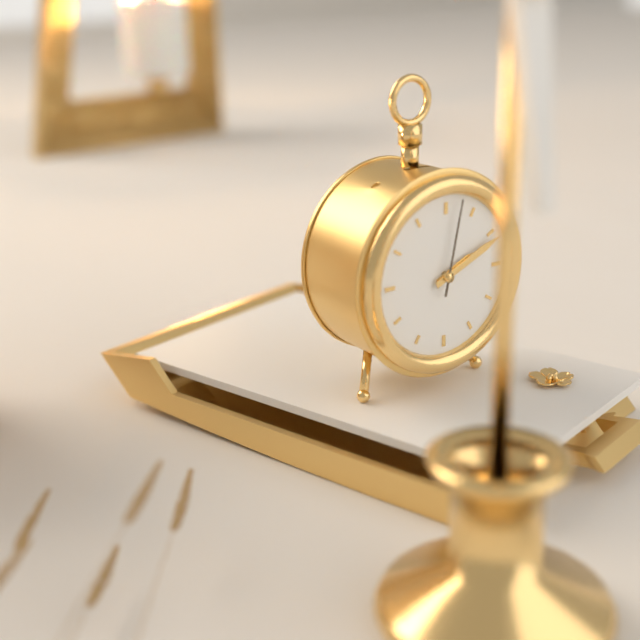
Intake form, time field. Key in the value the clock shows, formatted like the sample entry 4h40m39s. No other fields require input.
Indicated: 2h11m02s
